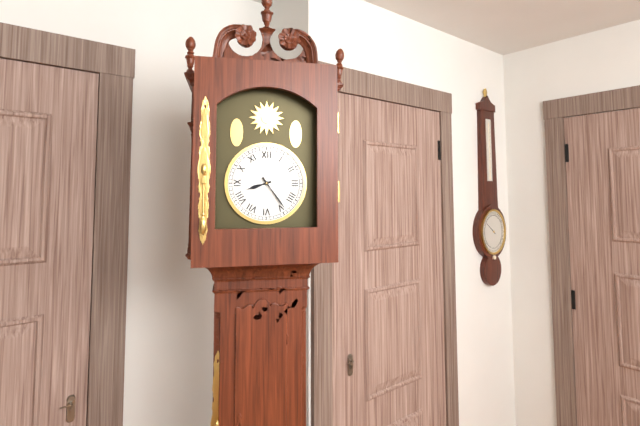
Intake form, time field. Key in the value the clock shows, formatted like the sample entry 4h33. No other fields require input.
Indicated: 8h24
